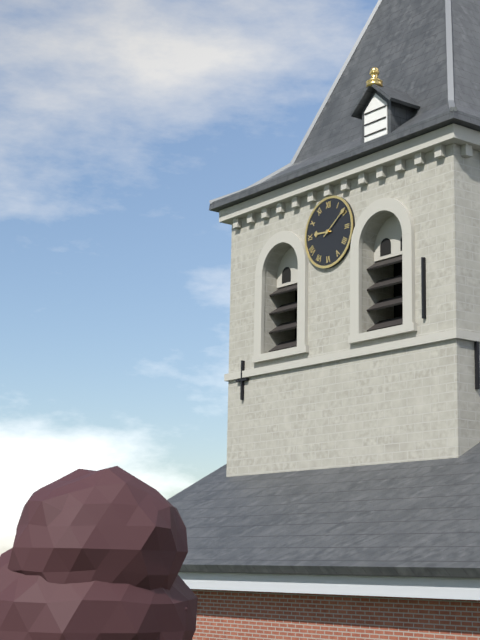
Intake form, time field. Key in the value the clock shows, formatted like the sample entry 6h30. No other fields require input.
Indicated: 9h09
